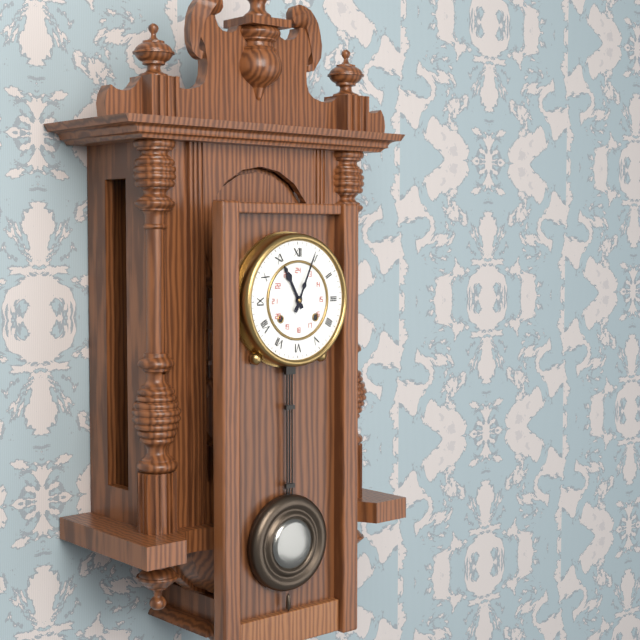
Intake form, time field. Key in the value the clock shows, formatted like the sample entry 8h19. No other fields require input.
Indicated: 11h04
